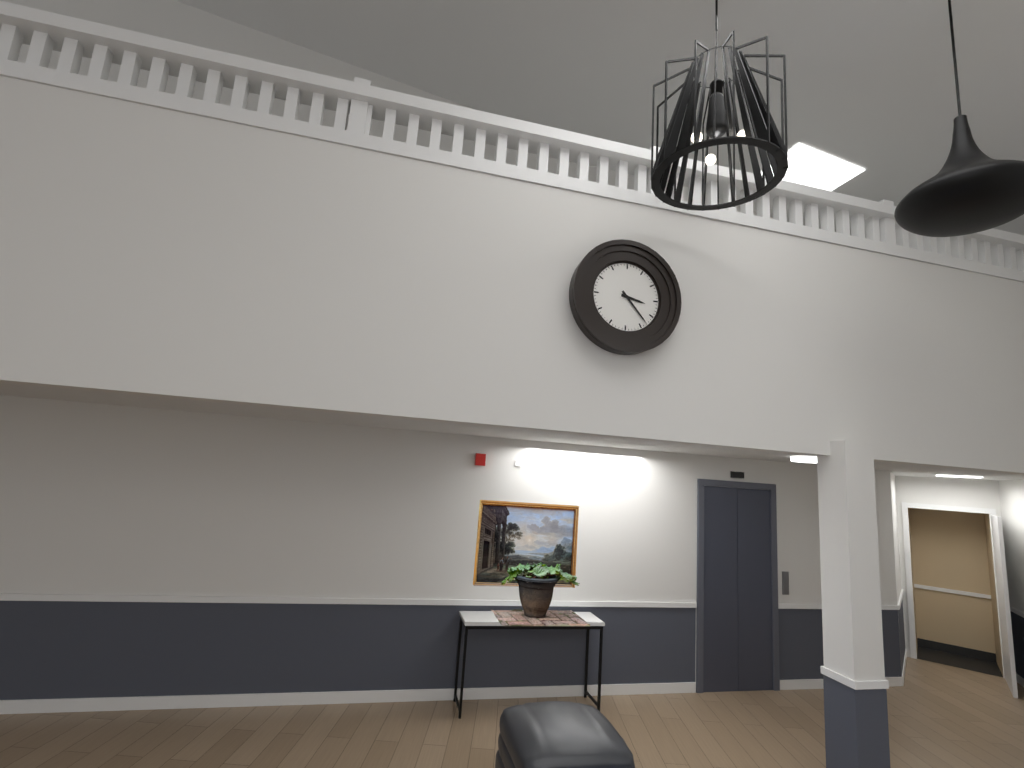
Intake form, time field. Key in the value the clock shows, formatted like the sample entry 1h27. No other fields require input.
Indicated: 3h23
